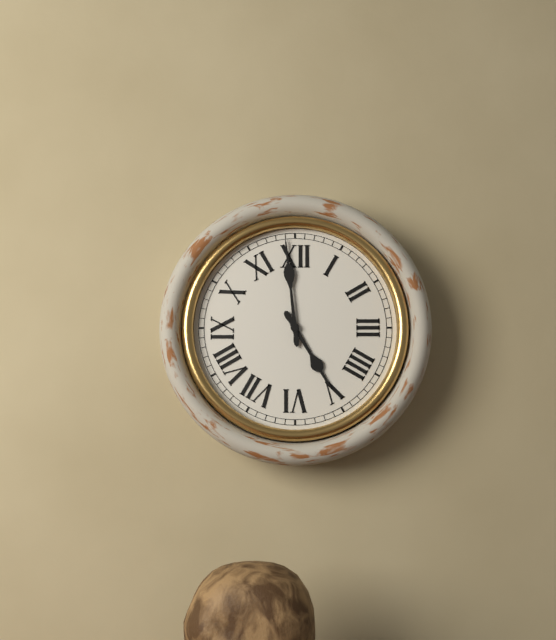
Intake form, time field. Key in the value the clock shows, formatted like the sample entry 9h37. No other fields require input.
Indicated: 4h59
